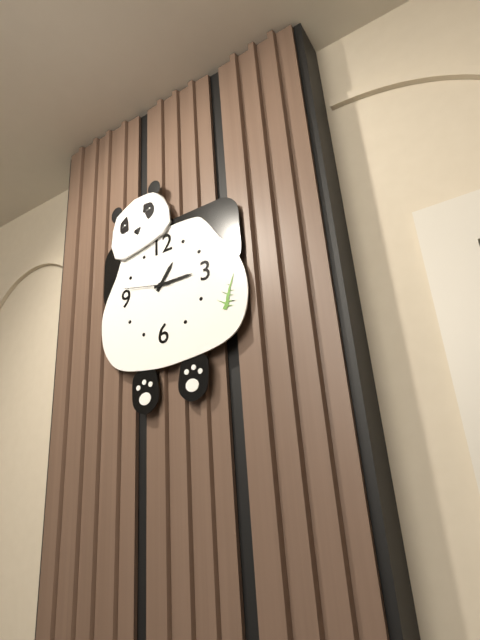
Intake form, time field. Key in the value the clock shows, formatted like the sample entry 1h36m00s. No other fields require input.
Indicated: 1h15m47s
